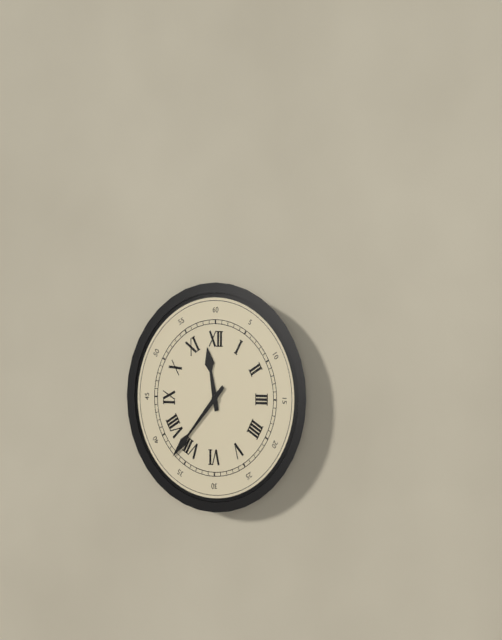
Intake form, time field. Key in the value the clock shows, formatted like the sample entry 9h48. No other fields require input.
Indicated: 11h37
